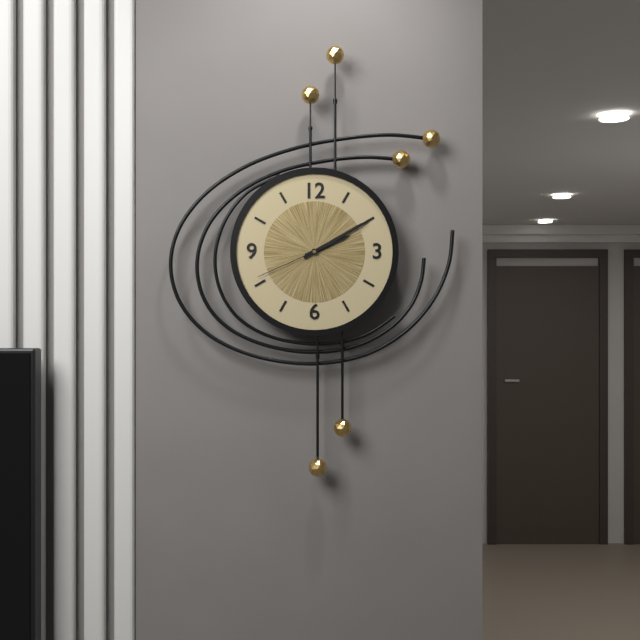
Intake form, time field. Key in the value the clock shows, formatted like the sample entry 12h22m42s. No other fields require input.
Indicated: 2h10m41s
